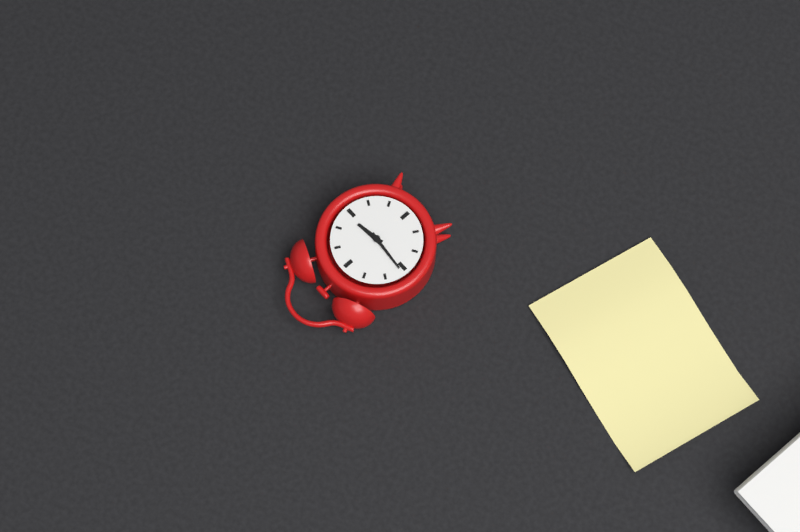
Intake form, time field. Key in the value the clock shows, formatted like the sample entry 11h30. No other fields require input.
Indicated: 2h46
